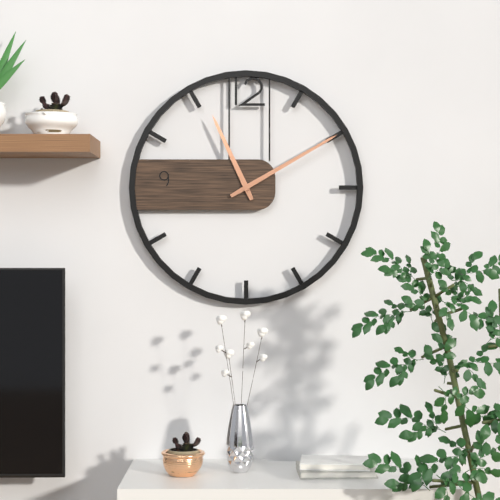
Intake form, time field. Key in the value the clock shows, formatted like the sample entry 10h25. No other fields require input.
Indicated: 11h10
